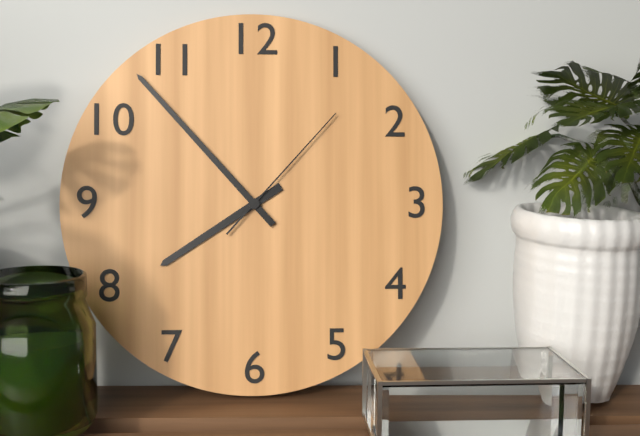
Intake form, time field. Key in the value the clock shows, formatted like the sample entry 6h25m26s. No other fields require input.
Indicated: 7h53m07s
